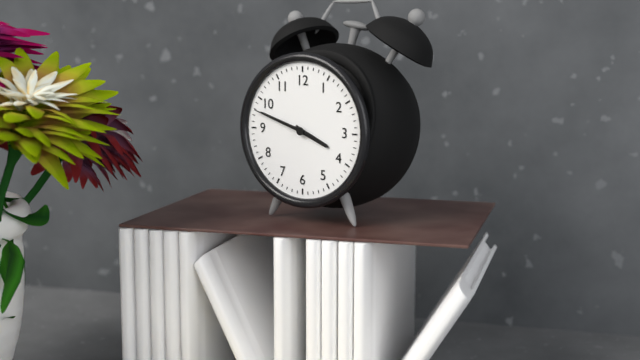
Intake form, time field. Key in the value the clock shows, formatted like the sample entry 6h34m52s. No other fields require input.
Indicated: 3h48m48s
